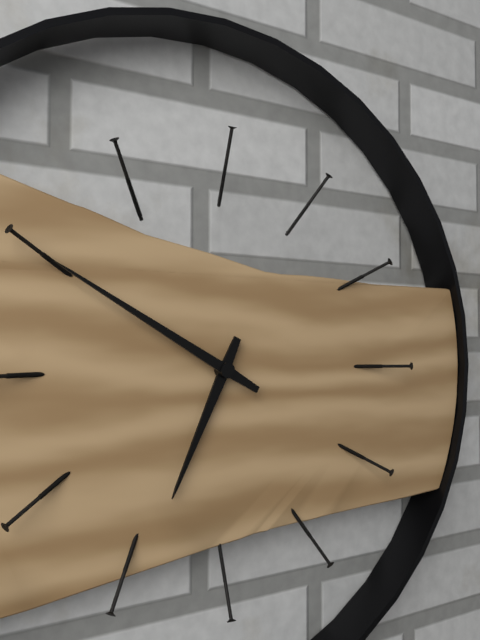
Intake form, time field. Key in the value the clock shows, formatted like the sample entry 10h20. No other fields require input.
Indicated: 6h50
